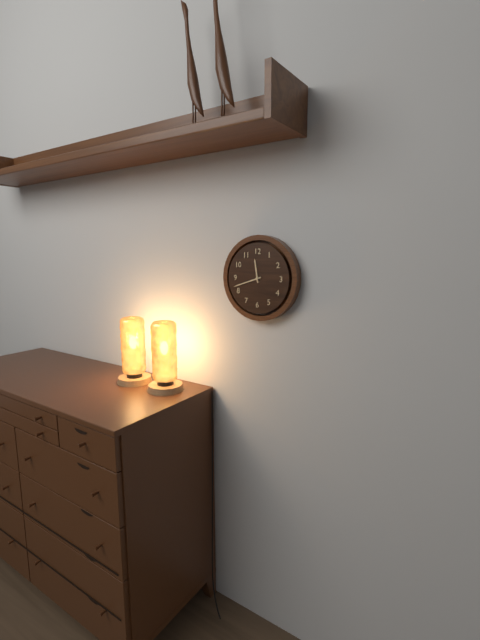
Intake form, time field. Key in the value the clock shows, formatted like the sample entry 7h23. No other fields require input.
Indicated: 11h42
